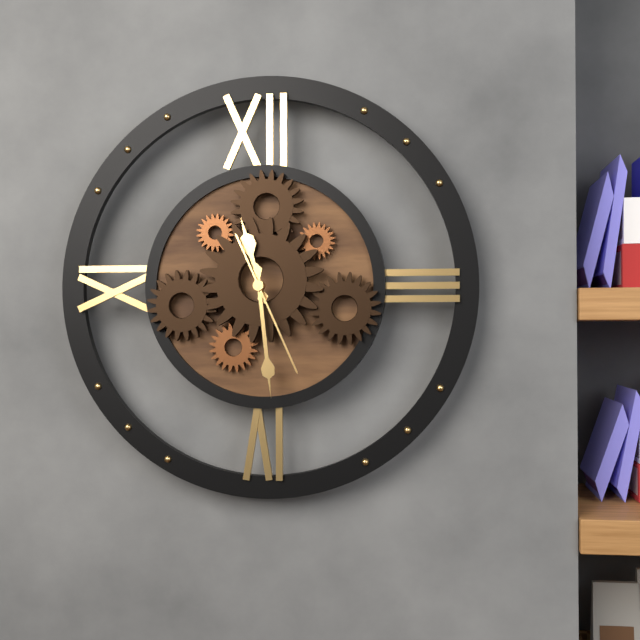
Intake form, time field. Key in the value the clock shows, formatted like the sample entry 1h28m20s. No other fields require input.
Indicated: 11h29m26s
